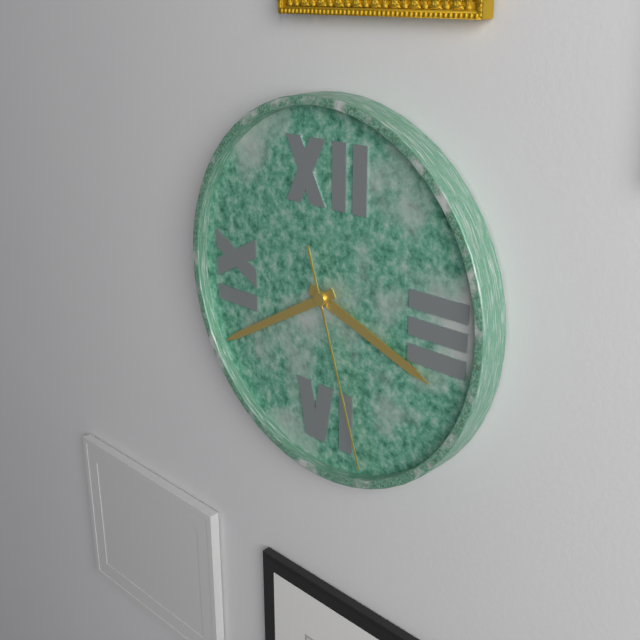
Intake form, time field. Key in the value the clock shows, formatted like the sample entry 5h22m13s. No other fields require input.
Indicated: 3h40m27s
